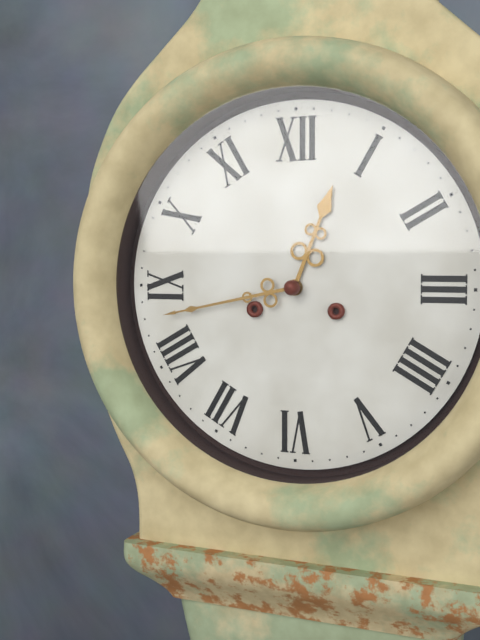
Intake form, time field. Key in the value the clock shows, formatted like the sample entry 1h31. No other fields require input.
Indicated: 12h43
